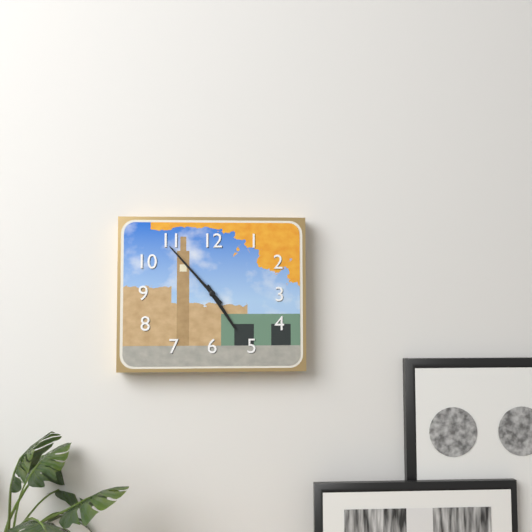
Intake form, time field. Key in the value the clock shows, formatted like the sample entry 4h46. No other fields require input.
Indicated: 4h53
